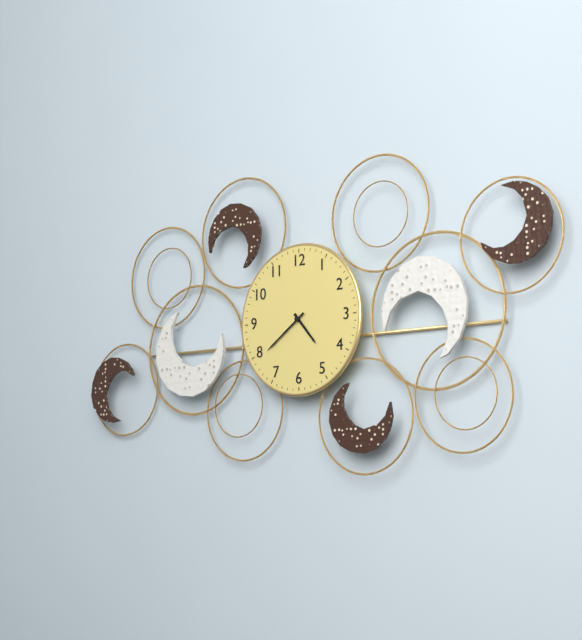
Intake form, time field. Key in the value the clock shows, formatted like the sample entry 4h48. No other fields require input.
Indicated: 4h39
